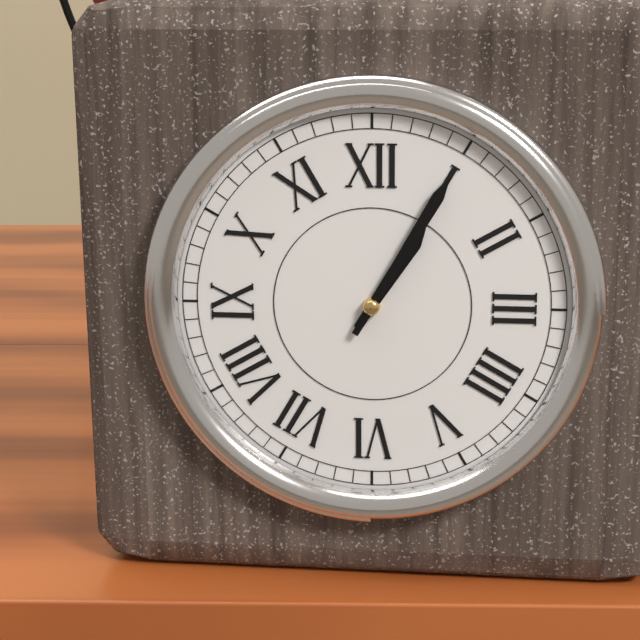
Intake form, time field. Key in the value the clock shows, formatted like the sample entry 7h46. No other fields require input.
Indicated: 1h05
